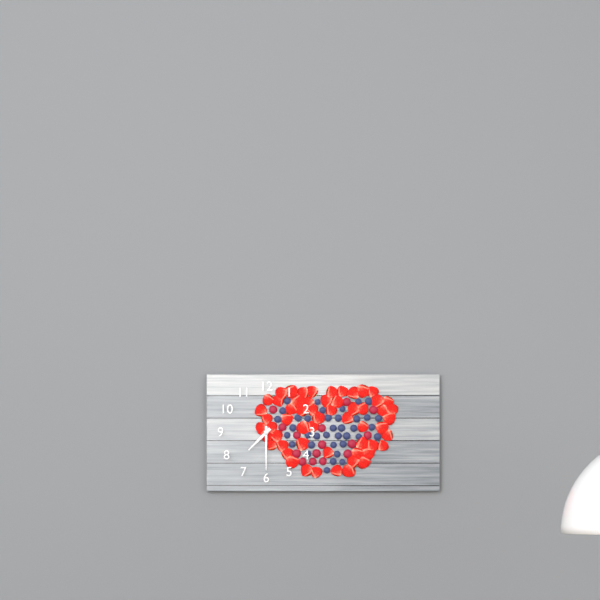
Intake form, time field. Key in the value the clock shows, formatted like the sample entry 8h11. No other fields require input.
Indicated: 7h30
